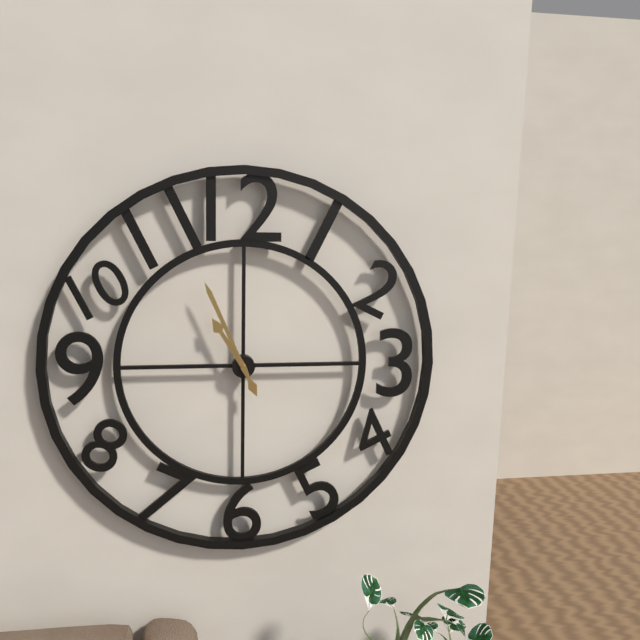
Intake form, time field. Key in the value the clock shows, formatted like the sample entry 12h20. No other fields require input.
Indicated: 10h56
